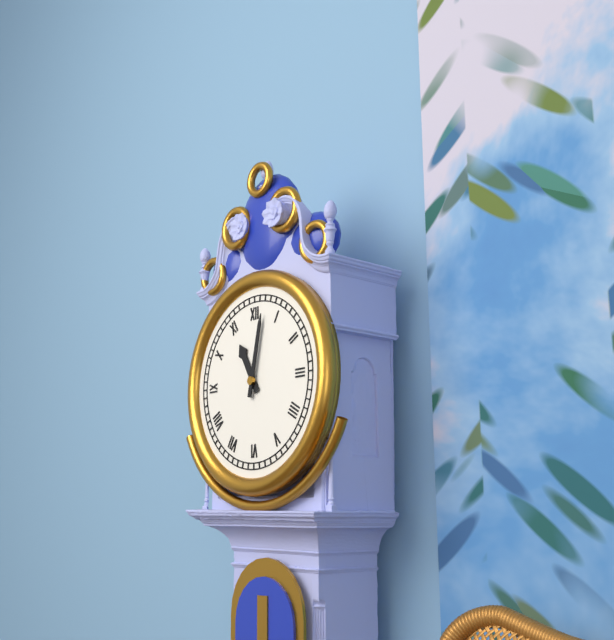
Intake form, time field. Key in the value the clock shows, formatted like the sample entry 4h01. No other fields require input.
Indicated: 11h02
